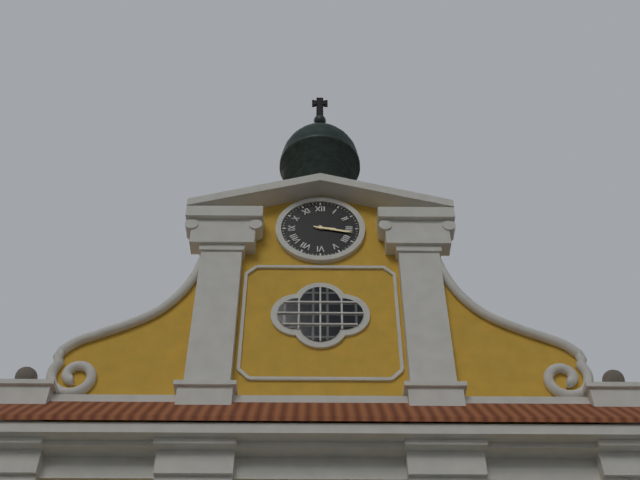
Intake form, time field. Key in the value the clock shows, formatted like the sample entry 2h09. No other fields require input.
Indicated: 3h17
